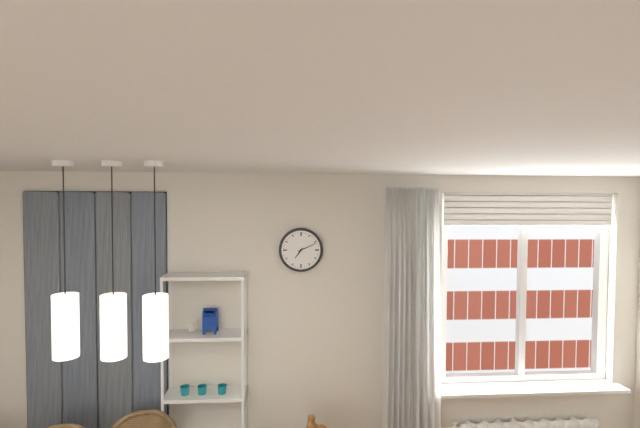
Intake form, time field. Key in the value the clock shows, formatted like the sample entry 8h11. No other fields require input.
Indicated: 7h11
